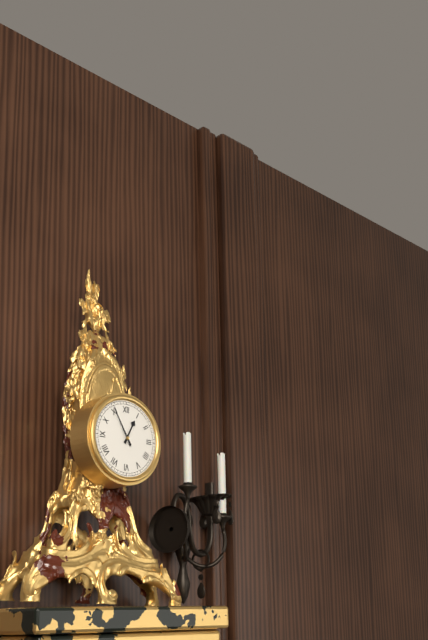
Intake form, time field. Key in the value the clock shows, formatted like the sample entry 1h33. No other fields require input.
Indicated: 12h55
